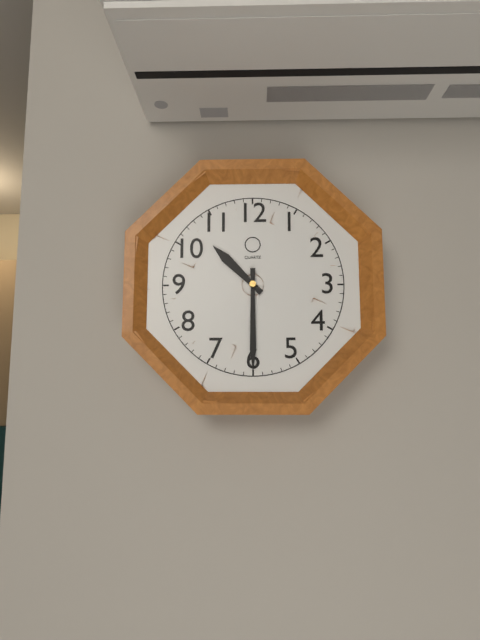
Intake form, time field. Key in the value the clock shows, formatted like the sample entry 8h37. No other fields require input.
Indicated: 10h30
